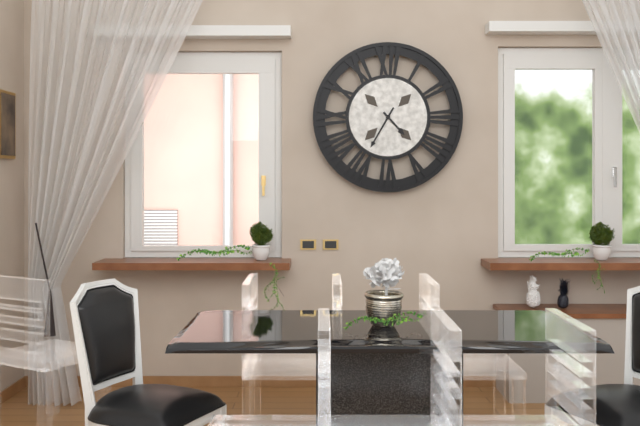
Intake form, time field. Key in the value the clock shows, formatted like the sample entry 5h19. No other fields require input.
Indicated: 4h35
